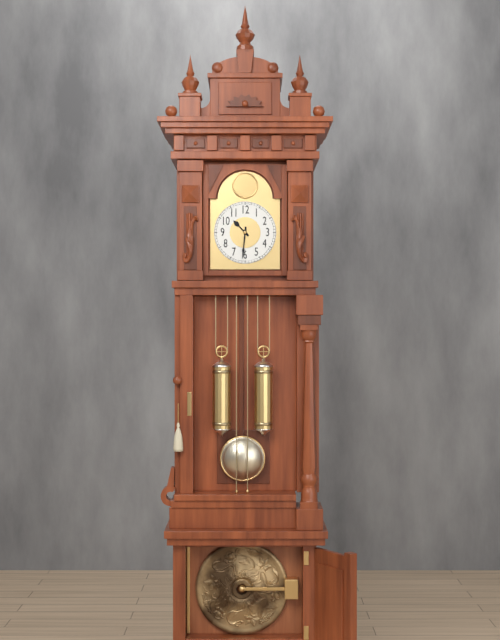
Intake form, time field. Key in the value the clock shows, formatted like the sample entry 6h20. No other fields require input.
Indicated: 10h31
